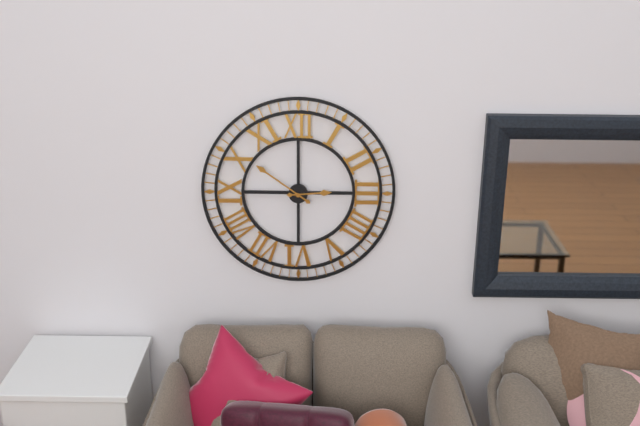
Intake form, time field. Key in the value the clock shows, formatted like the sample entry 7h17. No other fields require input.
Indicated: 2h51
